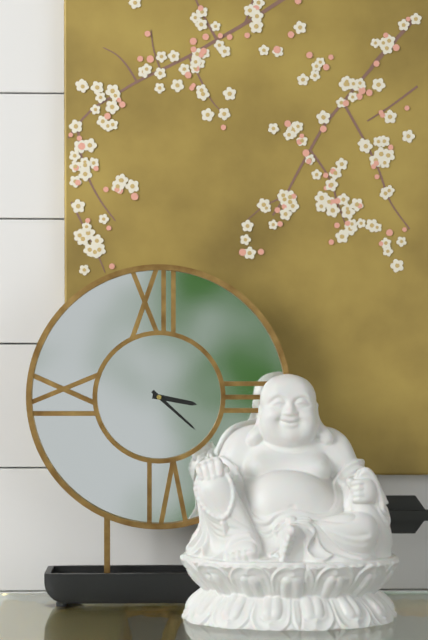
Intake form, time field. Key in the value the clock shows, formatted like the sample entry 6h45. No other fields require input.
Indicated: 3h22
